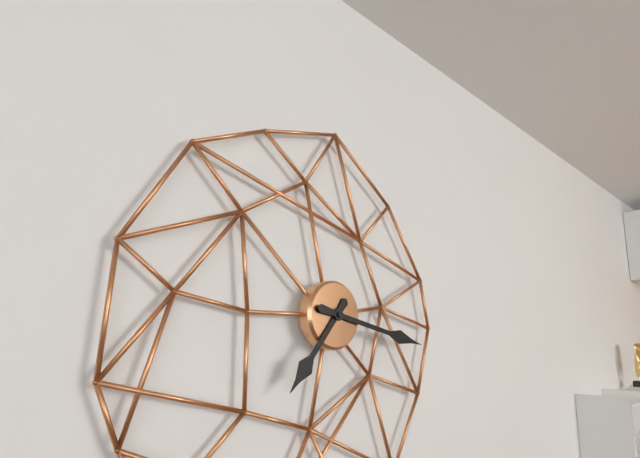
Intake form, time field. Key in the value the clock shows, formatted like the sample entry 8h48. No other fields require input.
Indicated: 7h17
